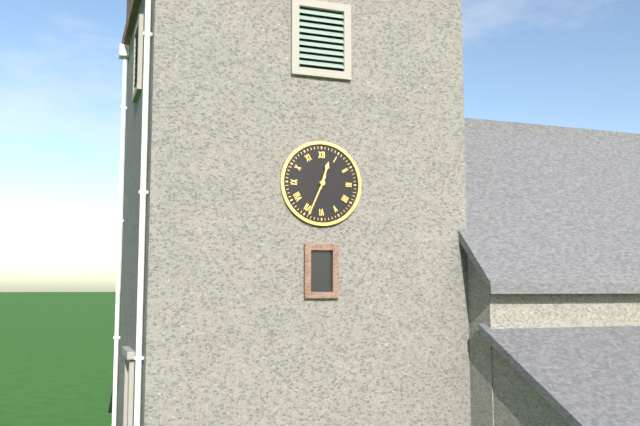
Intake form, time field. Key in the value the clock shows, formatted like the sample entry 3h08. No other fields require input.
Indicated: 12h34
